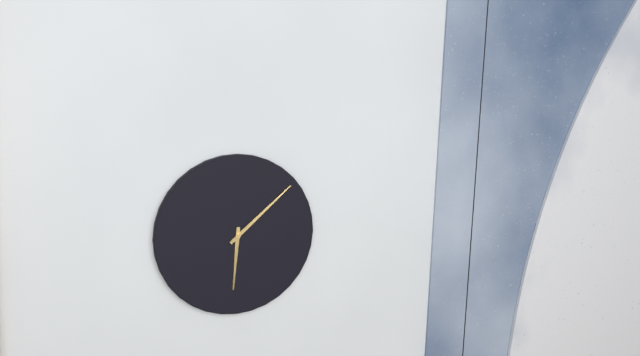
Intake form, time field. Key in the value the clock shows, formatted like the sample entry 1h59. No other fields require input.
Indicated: 6h08
